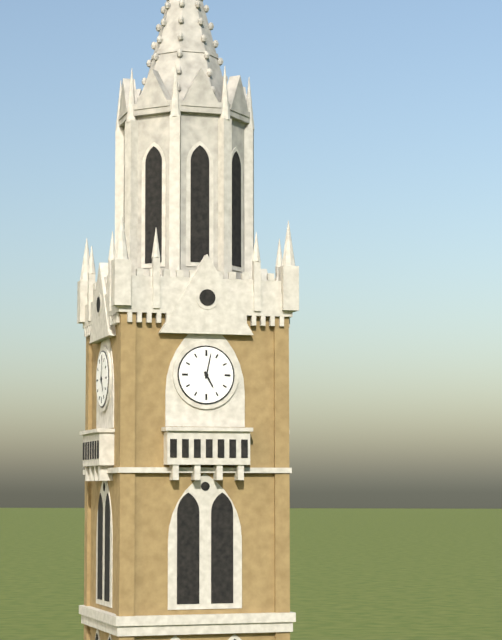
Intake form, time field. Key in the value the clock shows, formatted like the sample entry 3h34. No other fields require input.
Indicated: 5h02
